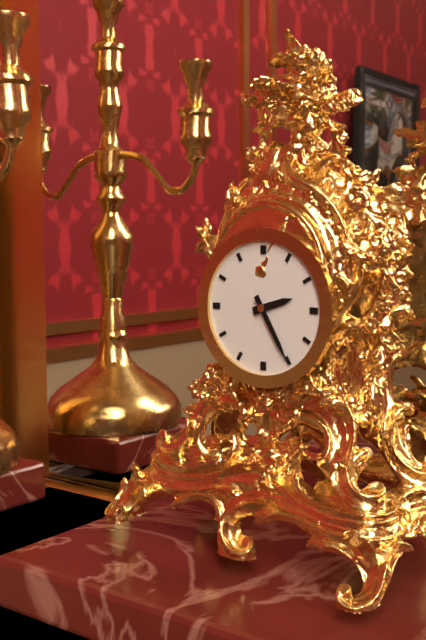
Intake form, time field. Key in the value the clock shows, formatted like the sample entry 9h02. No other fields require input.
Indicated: 2h25
